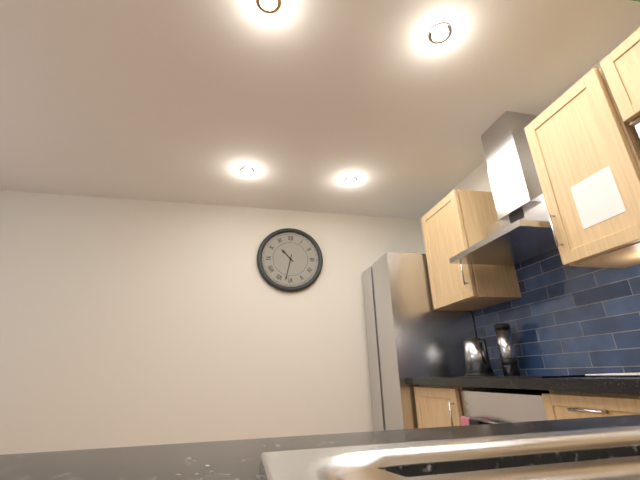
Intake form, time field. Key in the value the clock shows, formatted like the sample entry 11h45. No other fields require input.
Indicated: 10h32
